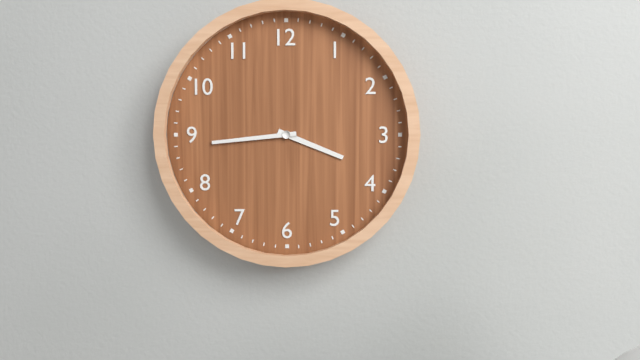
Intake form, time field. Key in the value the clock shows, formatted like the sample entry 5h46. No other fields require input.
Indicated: 3h44
